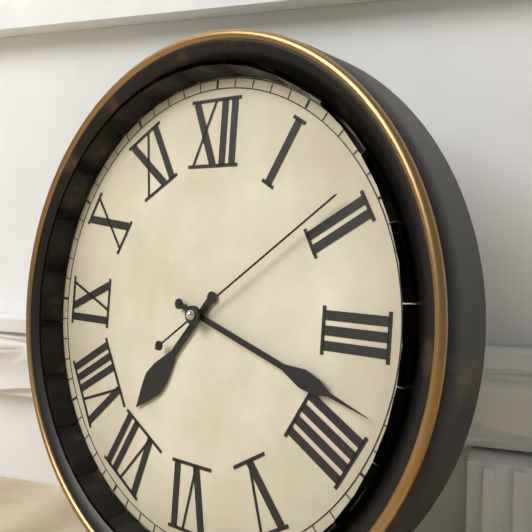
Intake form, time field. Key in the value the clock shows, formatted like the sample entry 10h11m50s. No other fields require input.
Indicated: 7h18m09s
